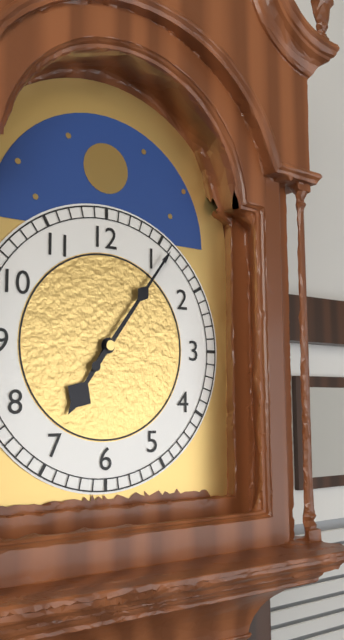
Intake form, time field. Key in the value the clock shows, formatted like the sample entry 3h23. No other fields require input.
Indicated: 7h06
